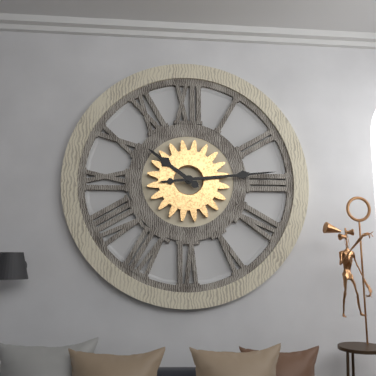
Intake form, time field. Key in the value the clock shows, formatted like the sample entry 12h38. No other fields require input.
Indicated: 10h14
